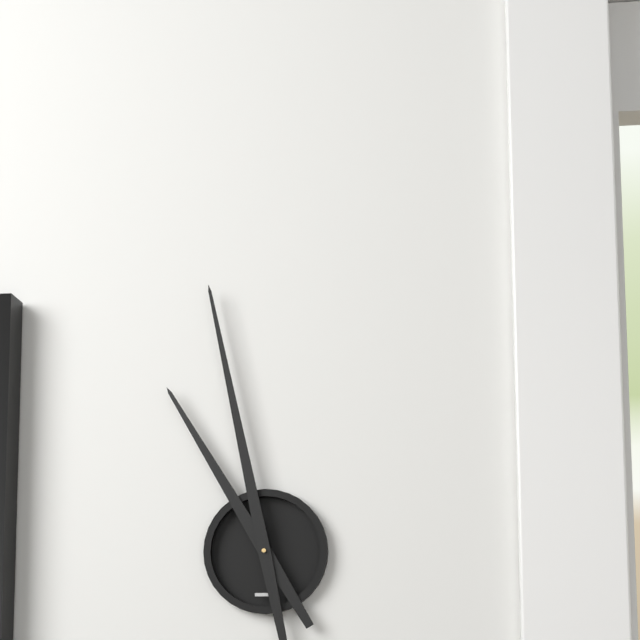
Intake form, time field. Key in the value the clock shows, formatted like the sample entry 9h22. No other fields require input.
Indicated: 10h58
